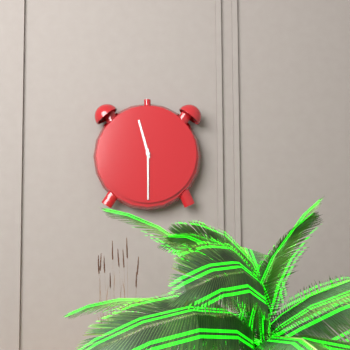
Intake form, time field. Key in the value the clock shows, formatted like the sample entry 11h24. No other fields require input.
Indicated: 11h30
